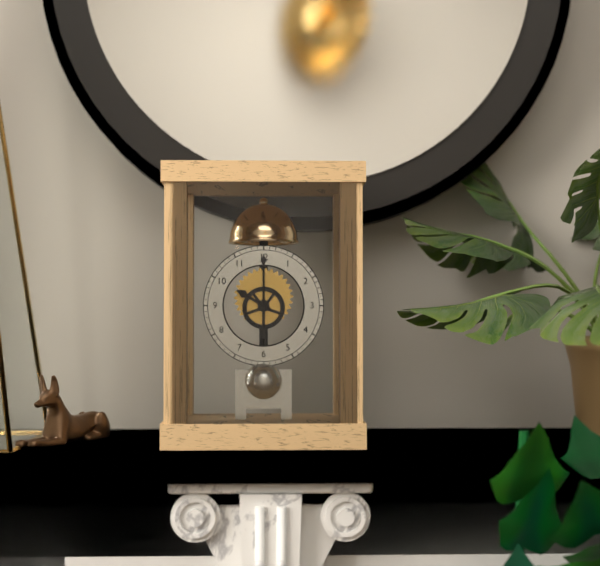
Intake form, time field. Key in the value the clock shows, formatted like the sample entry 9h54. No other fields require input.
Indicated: 10h00
